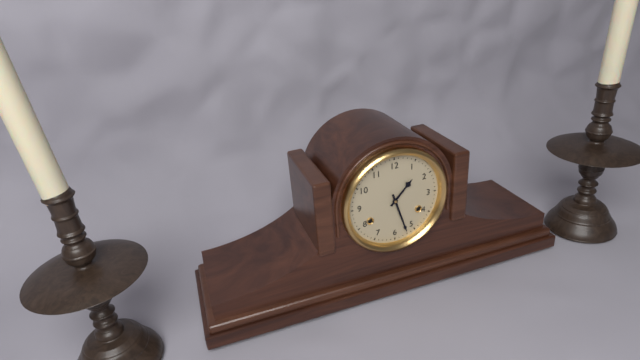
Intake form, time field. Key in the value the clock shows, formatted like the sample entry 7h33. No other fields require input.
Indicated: 1h27
